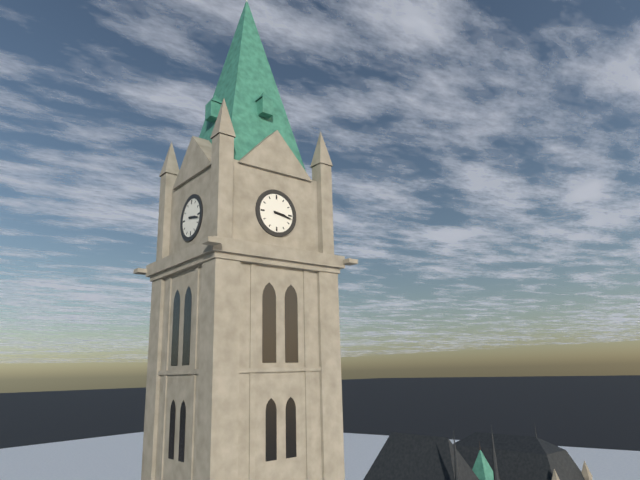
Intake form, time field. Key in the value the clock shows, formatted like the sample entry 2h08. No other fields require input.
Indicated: 3h17
